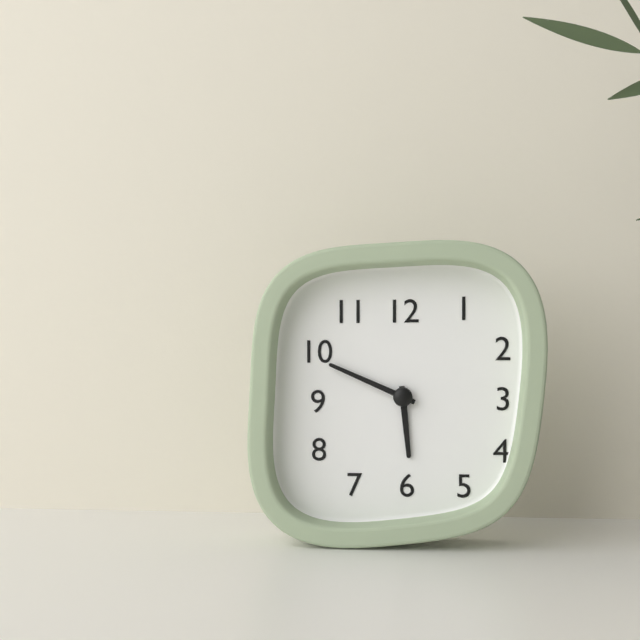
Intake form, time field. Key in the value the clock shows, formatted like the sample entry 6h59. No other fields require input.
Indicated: 5h49
